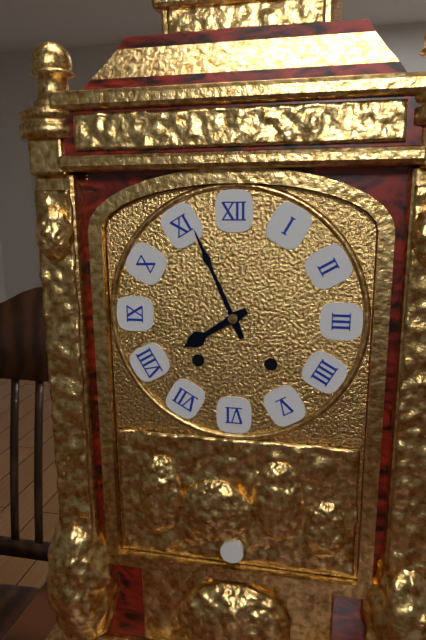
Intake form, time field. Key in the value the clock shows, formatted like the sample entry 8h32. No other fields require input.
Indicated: 7h56
